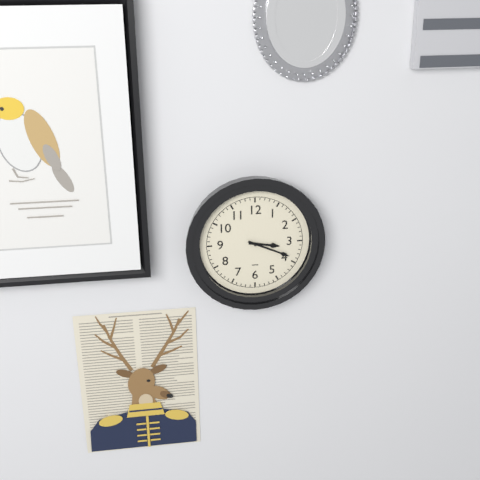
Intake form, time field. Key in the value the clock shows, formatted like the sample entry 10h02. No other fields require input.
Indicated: 3h19
